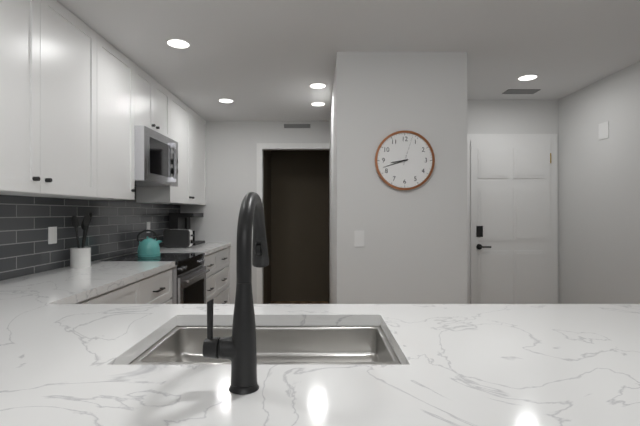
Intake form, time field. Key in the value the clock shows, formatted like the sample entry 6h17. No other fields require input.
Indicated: 8h42
